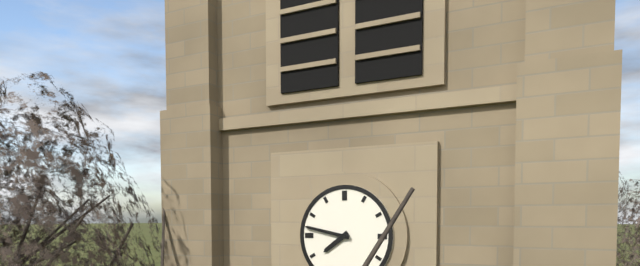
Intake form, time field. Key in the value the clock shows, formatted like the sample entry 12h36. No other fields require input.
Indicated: 7h47
